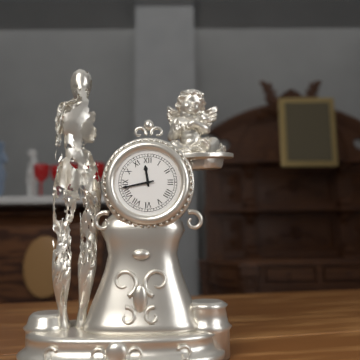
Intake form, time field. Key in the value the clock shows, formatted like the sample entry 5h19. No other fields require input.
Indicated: 11h43
